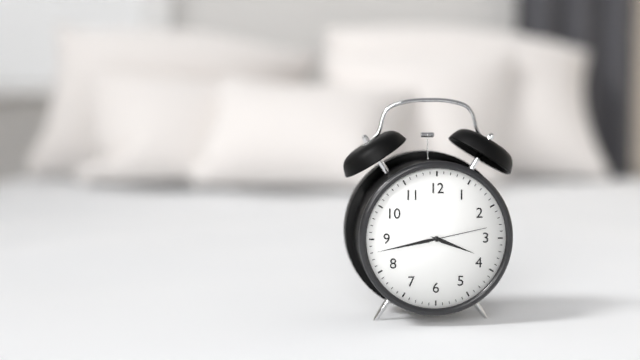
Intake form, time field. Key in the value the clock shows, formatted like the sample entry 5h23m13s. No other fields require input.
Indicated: 3h43m13s
